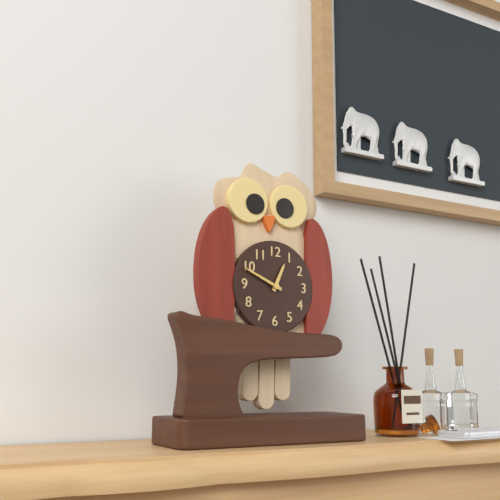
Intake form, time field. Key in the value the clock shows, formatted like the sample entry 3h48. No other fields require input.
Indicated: 12h49
